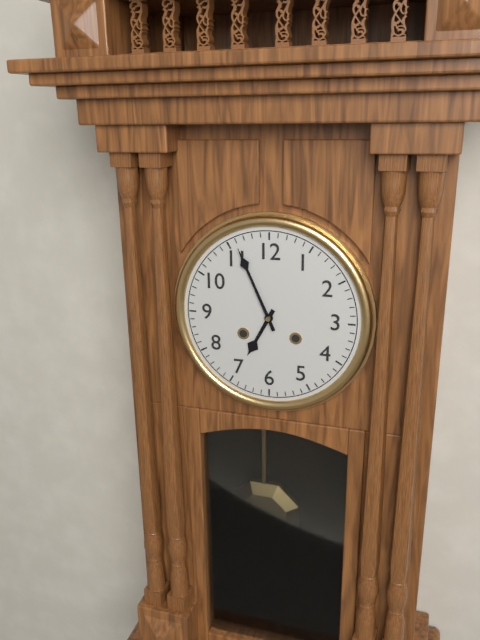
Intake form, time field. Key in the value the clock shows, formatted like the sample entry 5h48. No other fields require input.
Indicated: 6h56
